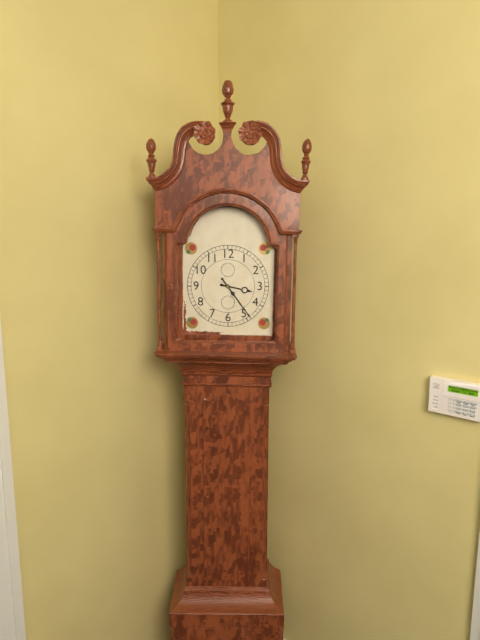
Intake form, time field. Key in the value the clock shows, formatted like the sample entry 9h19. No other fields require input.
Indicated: 3h24
